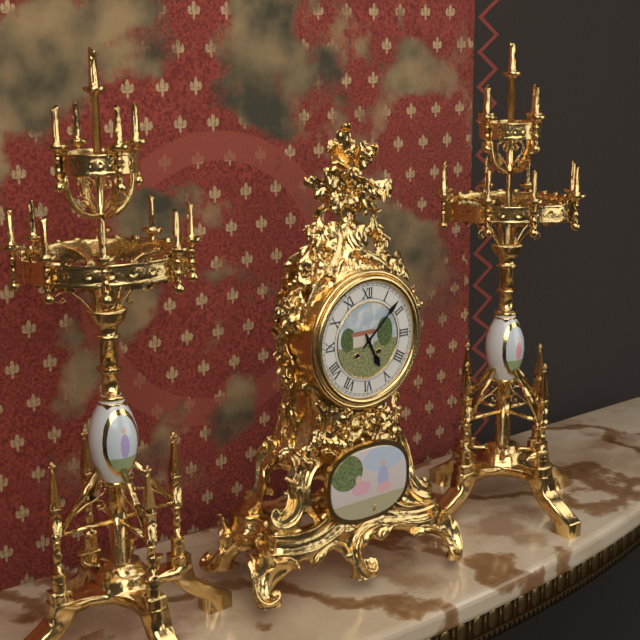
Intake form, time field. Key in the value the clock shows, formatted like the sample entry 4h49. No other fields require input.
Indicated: 5h08
